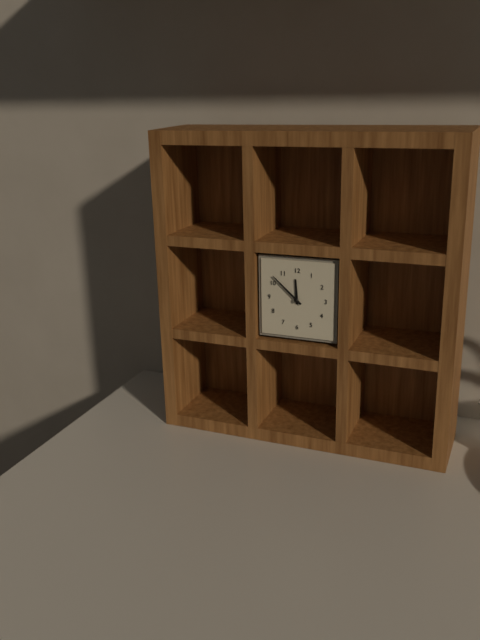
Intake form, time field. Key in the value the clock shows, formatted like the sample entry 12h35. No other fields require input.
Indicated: 11h52
